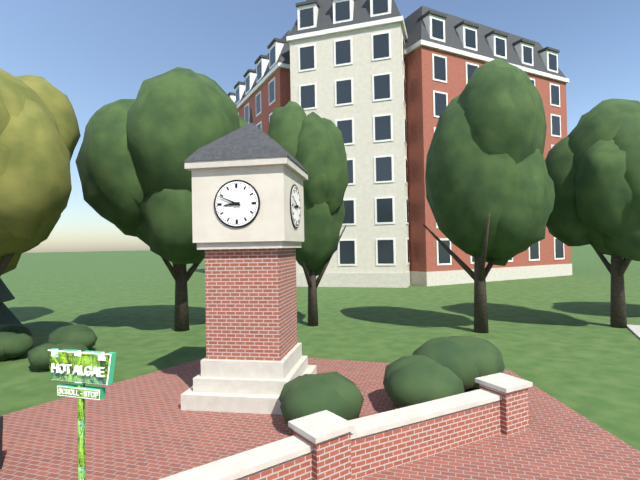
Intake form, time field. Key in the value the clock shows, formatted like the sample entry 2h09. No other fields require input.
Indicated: 8h49
